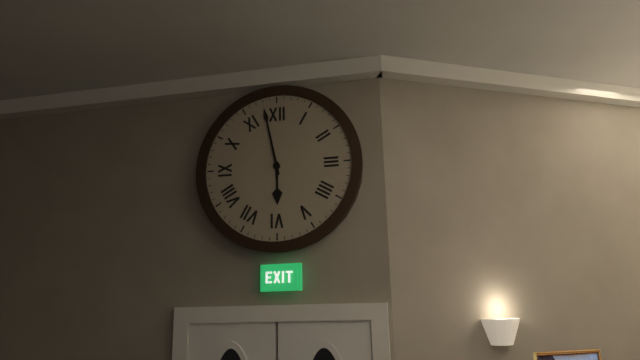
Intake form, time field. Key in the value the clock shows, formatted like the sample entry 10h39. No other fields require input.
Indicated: 5h58
